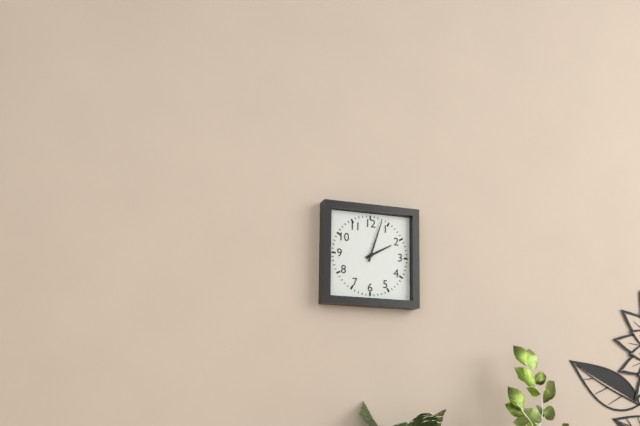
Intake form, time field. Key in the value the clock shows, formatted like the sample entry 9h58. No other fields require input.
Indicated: 2h03
